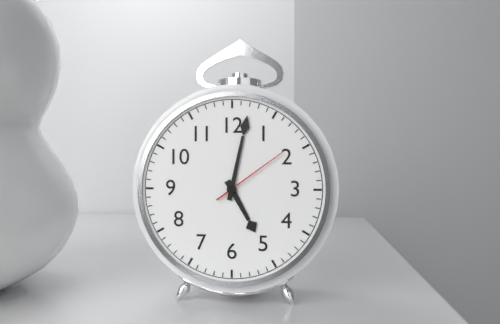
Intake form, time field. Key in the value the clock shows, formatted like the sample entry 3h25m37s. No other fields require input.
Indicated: 5h02m09s
